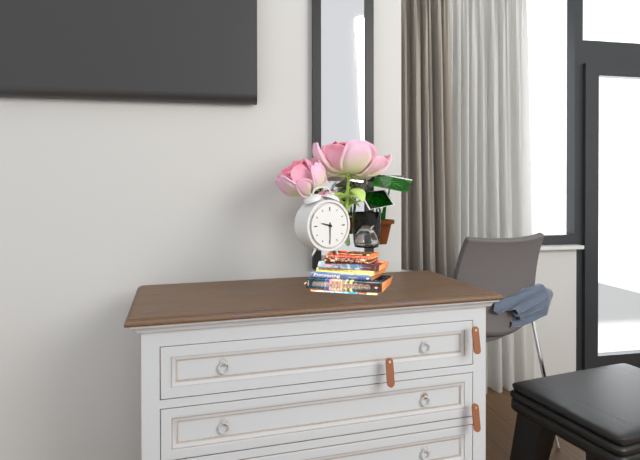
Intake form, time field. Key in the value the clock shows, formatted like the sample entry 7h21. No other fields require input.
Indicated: 9h30
